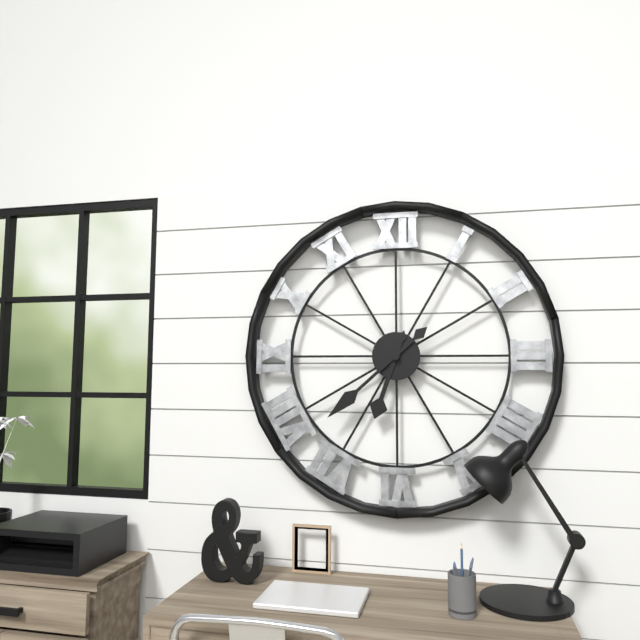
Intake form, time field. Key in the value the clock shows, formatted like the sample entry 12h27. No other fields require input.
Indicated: 6h38
